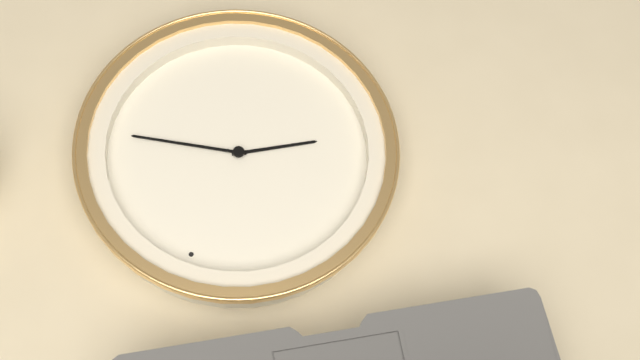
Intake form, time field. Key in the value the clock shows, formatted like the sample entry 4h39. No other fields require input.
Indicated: 7h09
